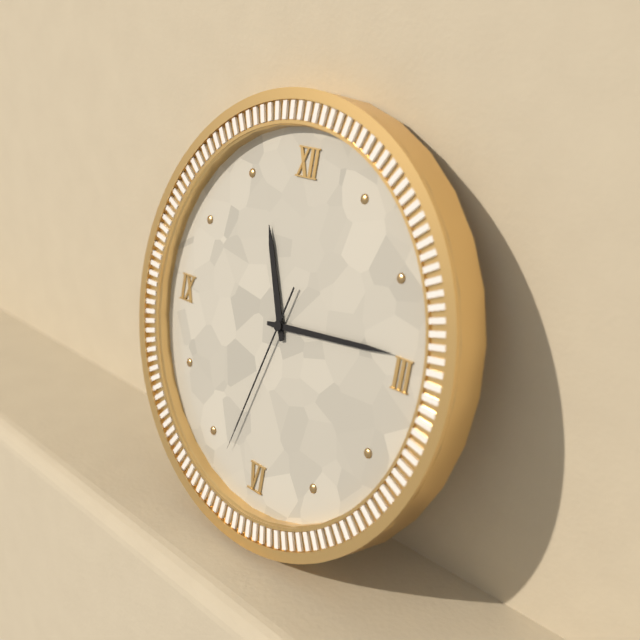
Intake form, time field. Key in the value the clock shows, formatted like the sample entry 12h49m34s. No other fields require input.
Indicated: 11h14m33s
